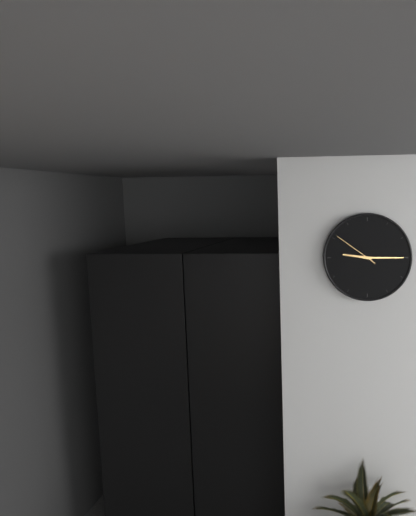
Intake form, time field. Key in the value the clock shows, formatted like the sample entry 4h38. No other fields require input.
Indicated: 9h15
